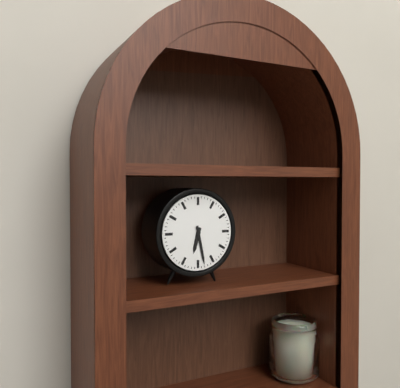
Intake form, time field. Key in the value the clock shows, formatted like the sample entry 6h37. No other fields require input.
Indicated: 6h28
